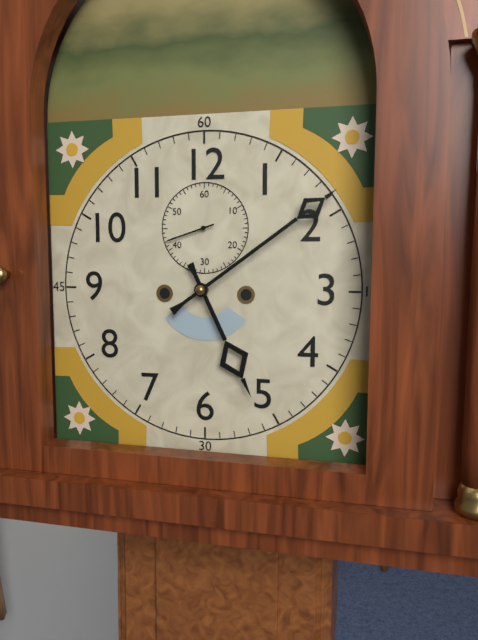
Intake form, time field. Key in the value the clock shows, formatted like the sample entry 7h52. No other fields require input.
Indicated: 5h09
